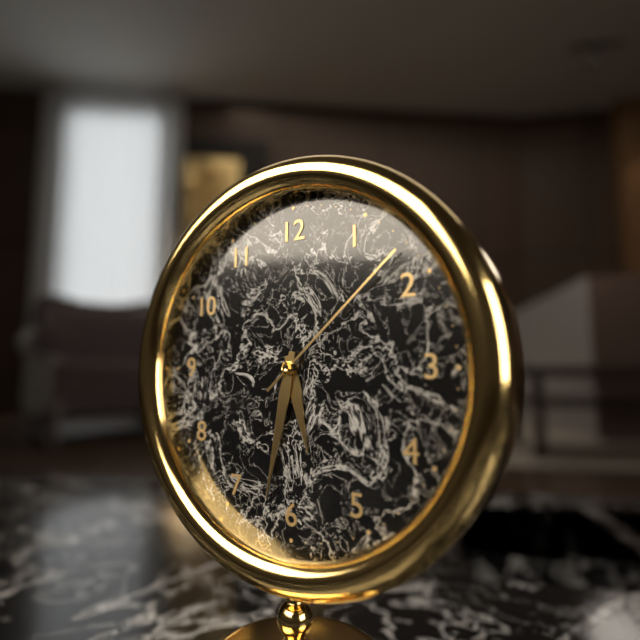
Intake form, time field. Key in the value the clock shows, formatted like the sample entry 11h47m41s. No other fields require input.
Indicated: 5h32m08s
